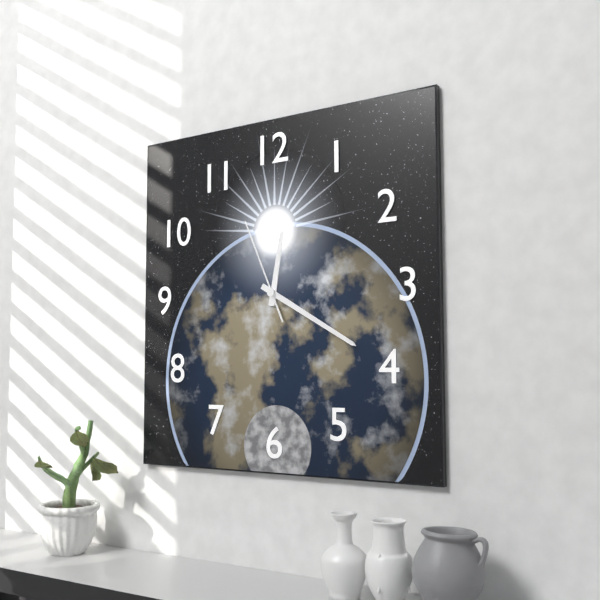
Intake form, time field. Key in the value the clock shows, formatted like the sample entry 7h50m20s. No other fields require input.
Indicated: 12h20m56s
